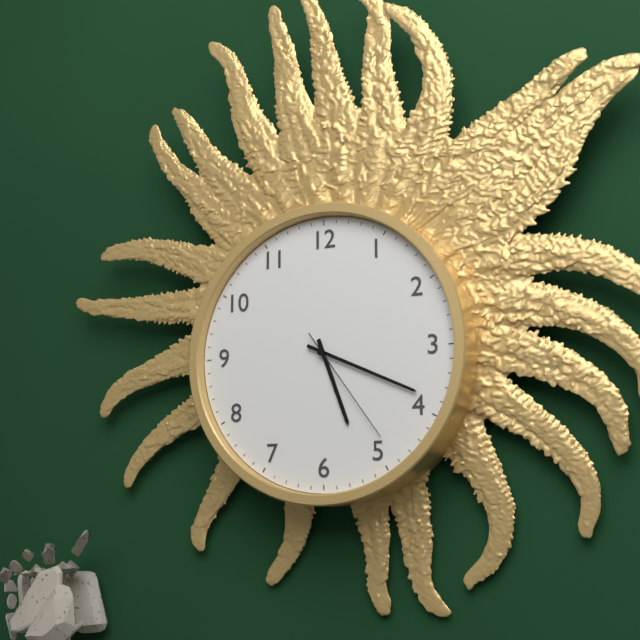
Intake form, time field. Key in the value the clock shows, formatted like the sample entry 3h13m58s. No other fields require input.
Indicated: 5h19m24s
